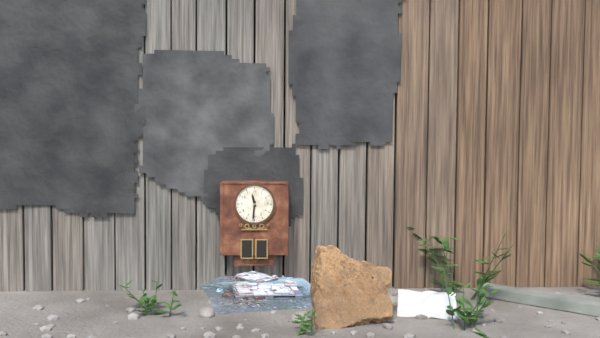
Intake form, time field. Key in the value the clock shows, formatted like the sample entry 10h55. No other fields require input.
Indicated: 11h31
